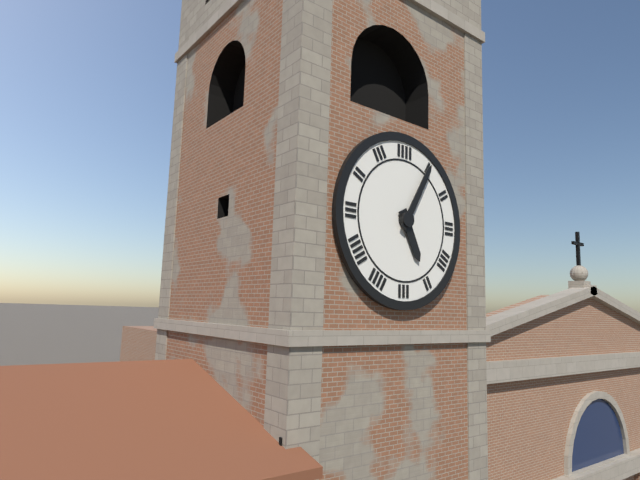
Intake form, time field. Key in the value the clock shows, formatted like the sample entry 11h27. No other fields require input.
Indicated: 5h05
